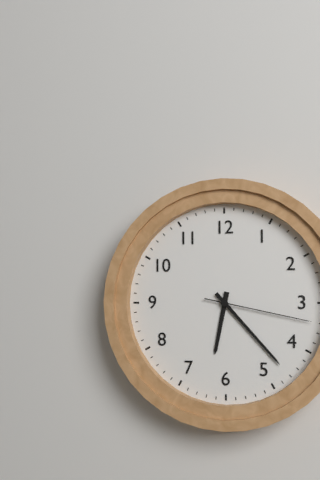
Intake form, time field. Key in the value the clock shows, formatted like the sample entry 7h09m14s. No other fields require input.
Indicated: 6h23m17s
